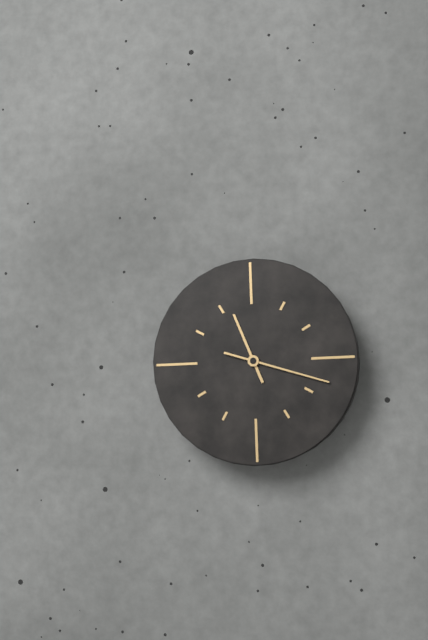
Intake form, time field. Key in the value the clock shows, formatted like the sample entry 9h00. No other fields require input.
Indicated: 11h18
